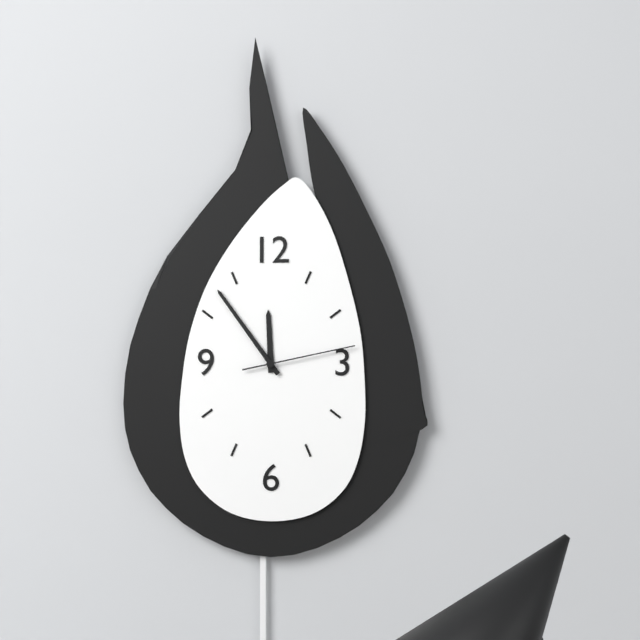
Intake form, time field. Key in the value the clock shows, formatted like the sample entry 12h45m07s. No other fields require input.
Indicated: 11h54m13s
